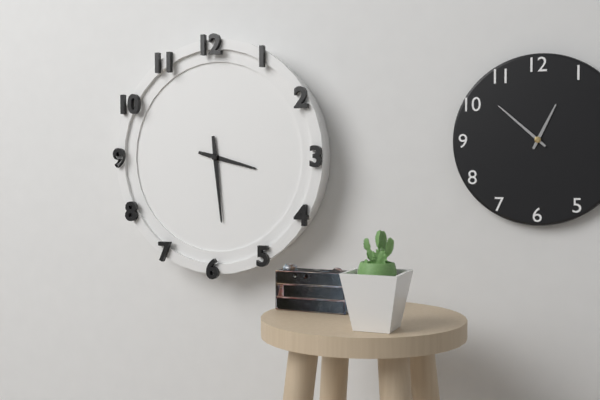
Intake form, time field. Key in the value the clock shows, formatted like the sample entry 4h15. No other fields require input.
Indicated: 3h29
